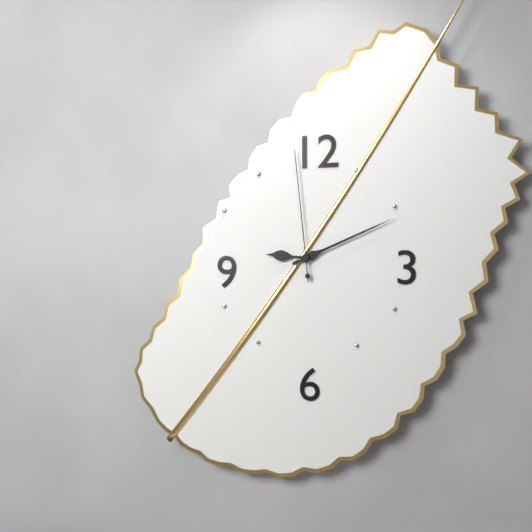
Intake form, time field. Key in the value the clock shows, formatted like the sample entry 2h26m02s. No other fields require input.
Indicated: 9h11m59s
